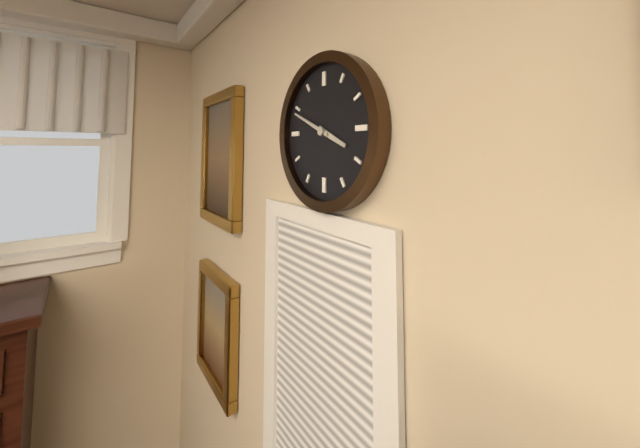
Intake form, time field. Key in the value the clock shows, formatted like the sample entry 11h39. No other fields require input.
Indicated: 3h49
